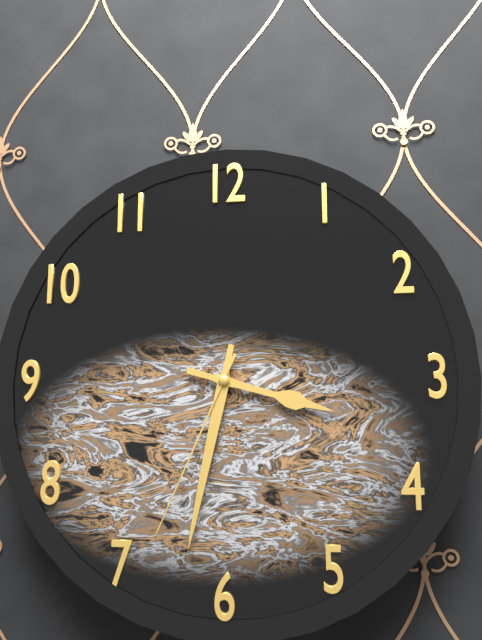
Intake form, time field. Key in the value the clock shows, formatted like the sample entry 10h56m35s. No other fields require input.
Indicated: 3h32m34s
